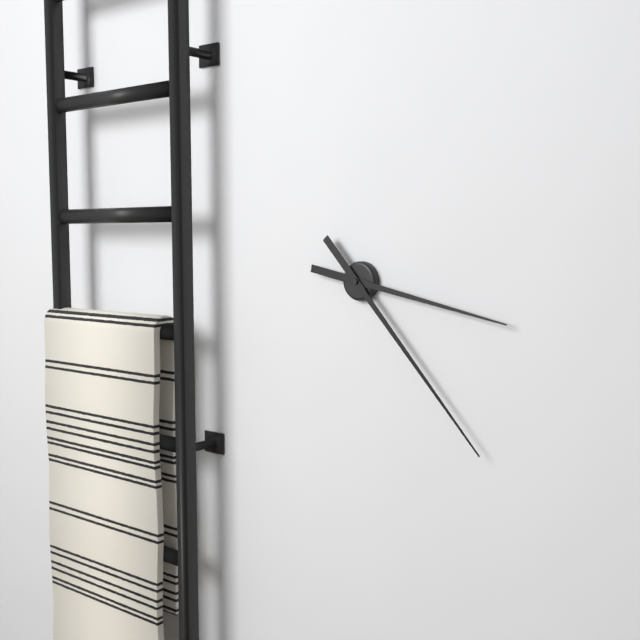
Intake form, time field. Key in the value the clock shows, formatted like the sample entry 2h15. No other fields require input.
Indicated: 3h23
